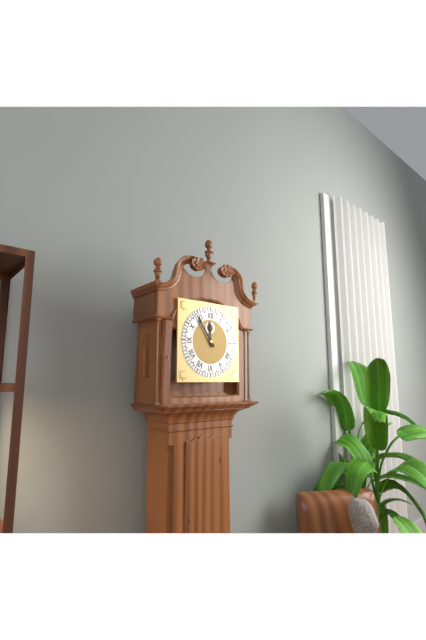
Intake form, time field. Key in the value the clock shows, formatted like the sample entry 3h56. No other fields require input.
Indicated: 11h54
